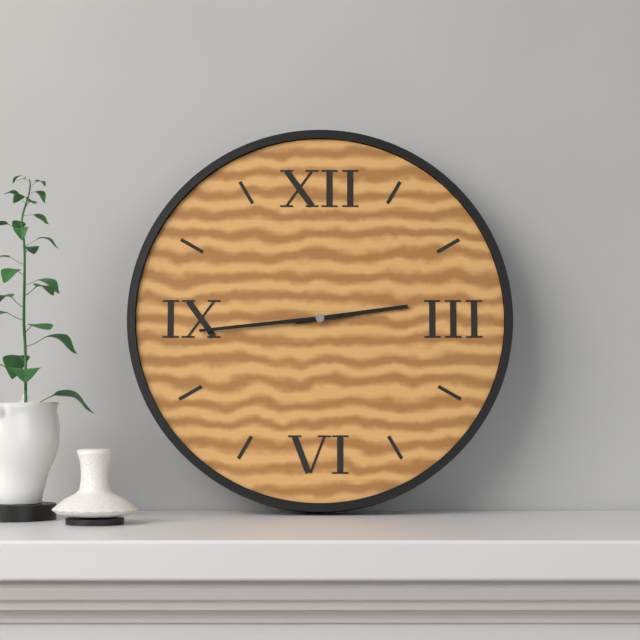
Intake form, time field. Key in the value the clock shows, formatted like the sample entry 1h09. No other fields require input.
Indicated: 2h44
